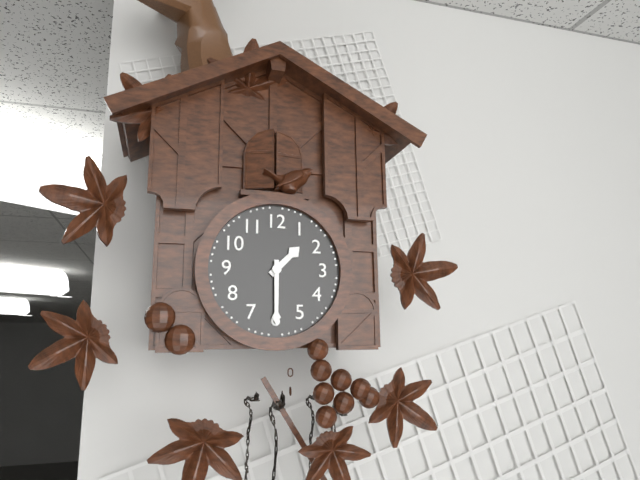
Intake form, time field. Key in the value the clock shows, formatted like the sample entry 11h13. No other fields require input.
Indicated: 1h30
